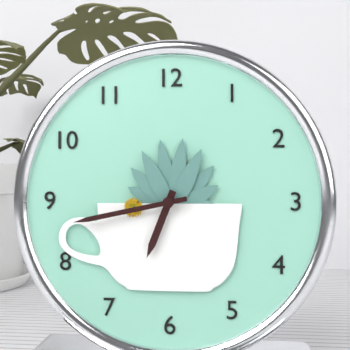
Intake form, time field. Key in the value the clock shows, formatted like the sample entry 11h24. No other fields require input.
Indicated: 6h43
